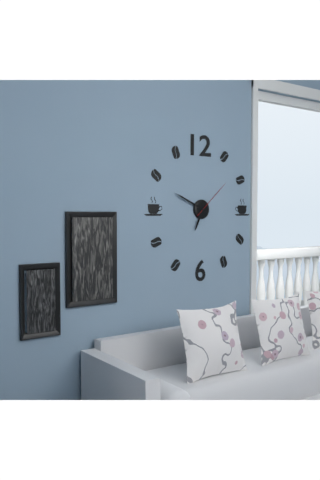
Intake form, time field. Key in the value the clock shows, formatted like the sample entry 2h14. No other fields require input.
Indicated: 6h49
